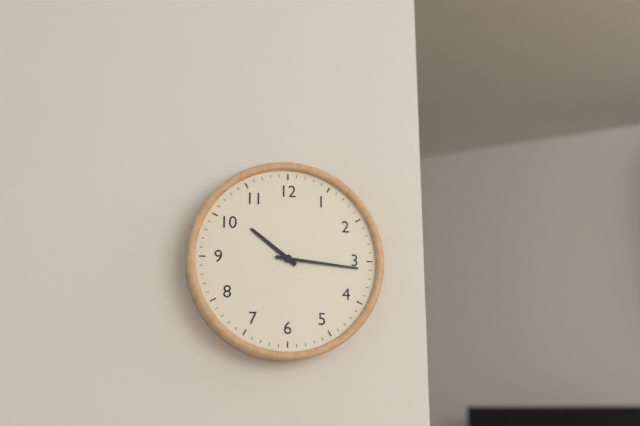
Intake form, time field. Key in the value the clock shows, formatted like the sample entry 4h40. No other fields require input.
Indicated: 10h16
